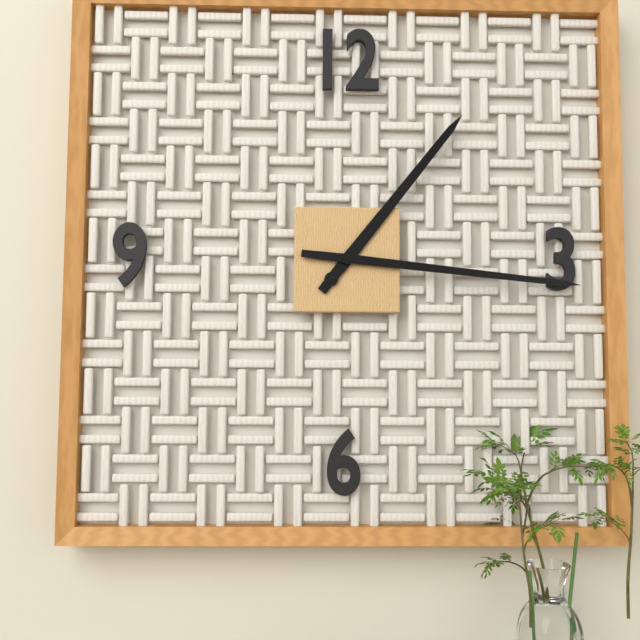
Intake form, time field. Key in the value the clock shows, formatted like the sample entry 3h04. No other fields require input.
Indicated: 1h16
